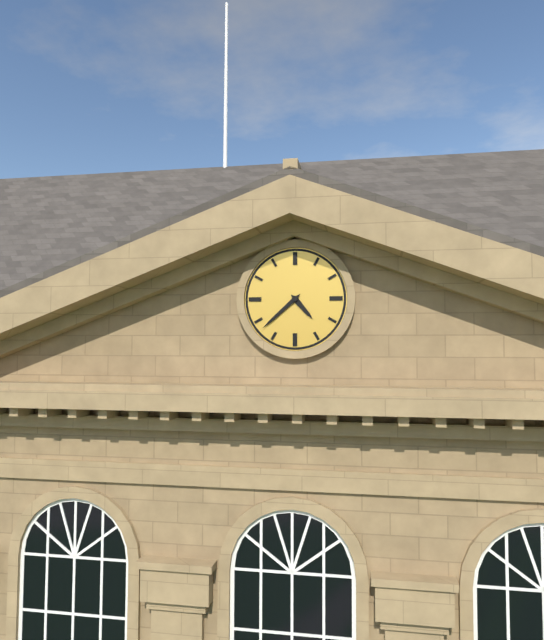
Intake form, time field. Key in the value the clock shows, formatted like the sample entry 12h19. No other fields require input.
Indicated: 4h38
